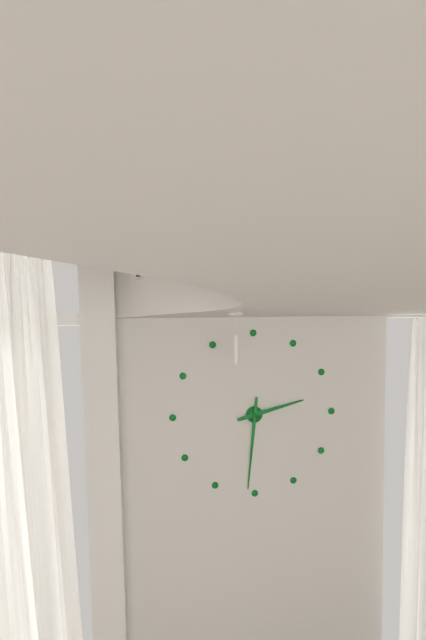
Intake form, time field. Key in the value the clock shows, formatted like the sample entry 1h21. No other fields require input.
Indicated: 2h31
